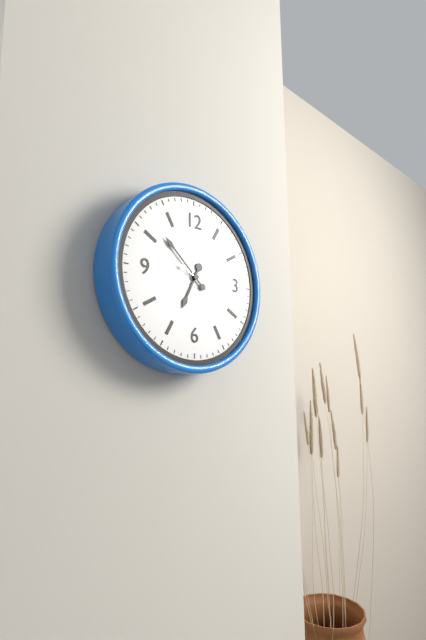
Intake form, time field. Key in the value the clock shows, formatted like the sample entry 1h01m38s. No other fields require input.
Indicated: 6h52m19s
